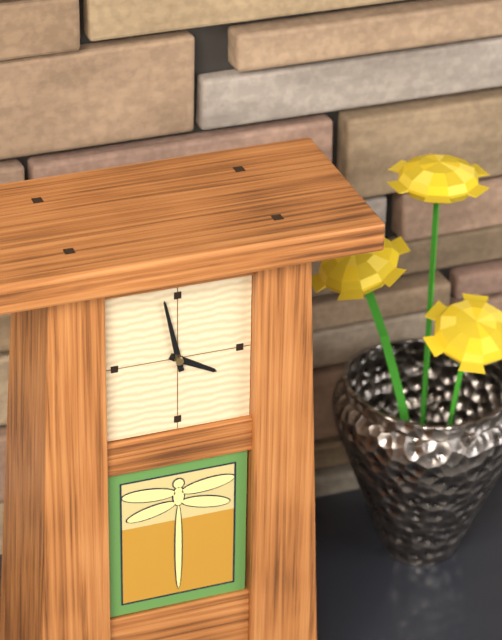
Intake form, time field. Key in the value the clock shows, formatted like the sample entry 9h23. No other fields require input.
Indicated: 3h58
